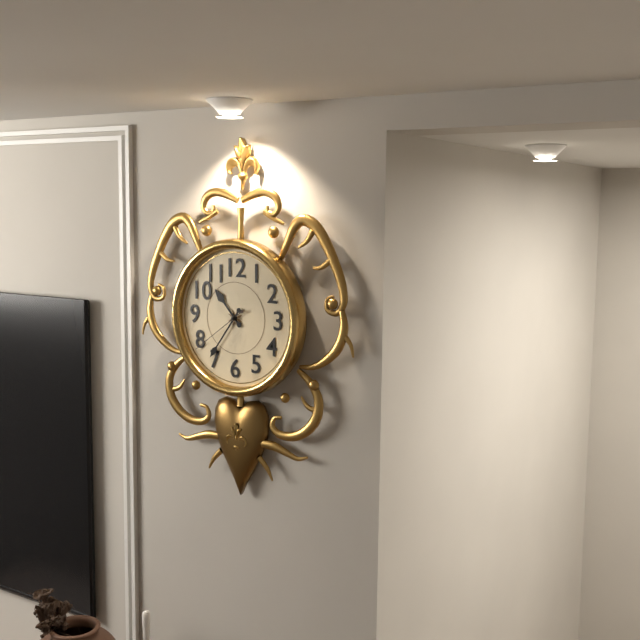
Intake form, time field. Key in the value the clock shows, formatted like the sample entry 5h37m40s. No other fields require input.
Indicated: 10h36m39s
